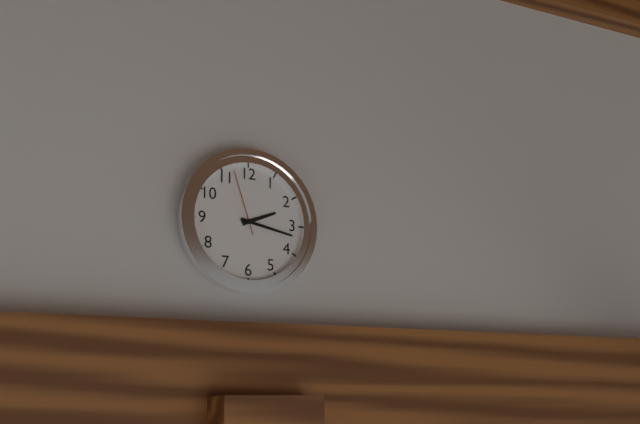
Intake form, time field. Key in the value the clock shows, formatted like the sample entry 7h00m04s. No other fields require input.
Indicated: 2h17m57s
